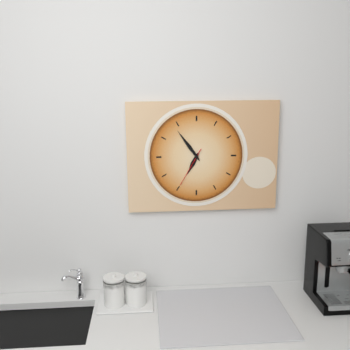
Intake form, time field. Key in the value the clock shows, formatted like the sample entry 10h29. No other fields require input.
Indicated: 6h54
